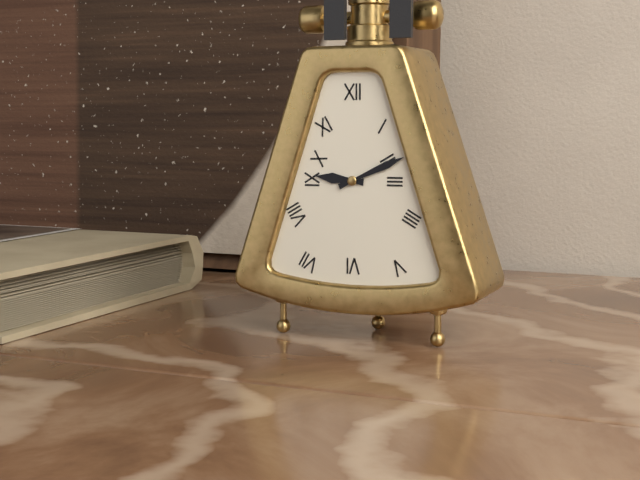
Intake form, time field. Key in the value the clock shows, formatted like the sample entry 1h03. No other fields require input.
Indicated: 9h11
